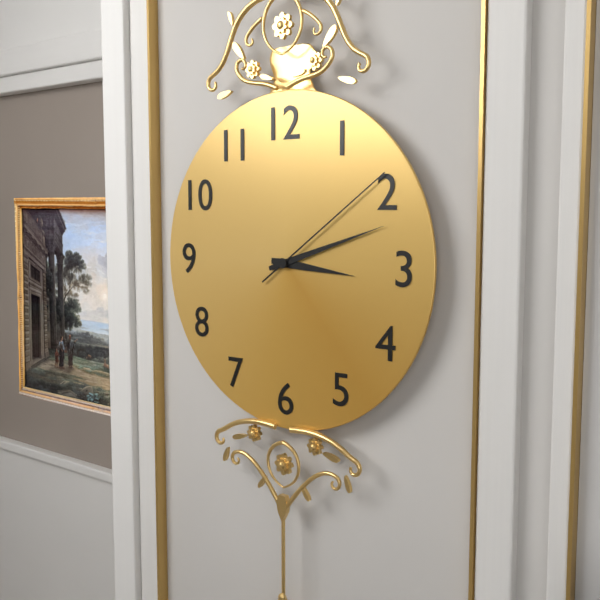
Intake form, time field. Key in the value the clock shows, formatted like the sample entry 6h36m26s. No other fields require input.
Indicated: 3h12m09s
